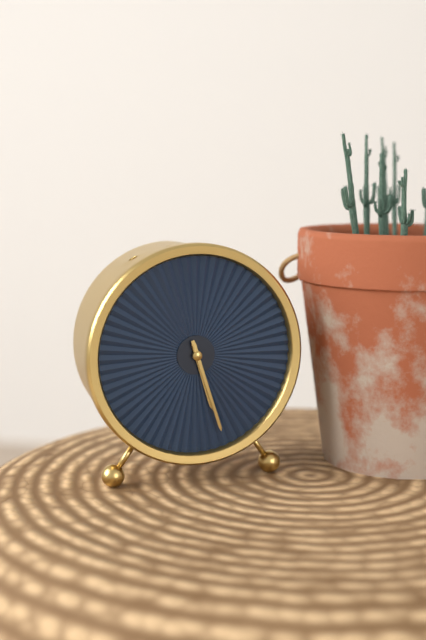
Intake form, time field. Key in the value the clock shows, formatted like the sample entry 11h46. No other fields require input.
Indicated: 5h27
